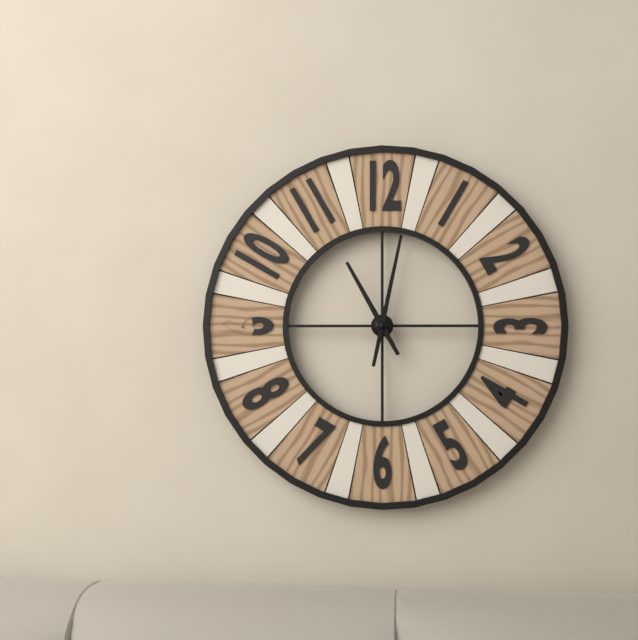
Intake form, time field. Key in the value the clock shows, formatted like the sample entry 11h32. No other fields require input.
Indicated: 11h02
